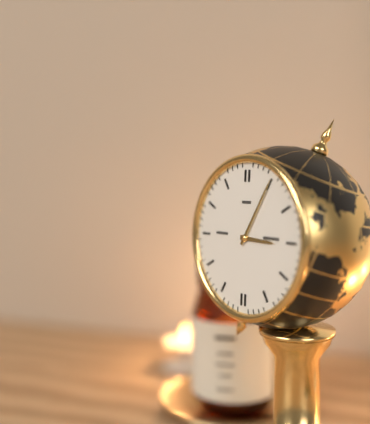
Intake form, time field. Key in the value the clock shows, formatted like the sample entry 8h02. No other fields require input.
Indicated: 3h05
